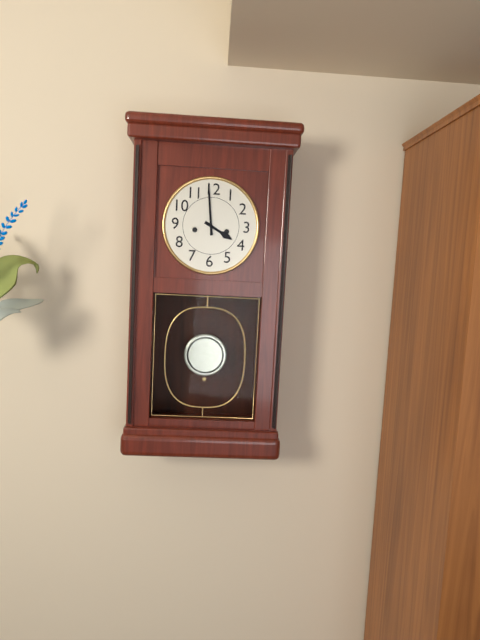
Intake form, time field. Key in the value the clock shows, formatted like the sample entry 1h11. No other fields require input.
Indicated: 3h59
